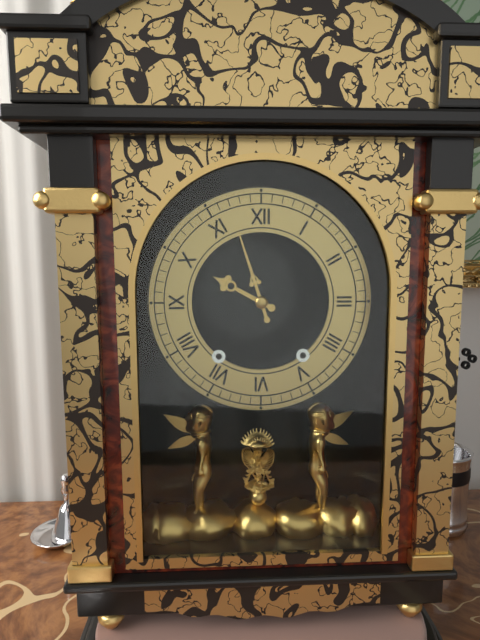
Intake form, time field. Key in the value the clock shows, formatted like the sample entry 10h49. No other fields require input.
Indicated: 9h57
